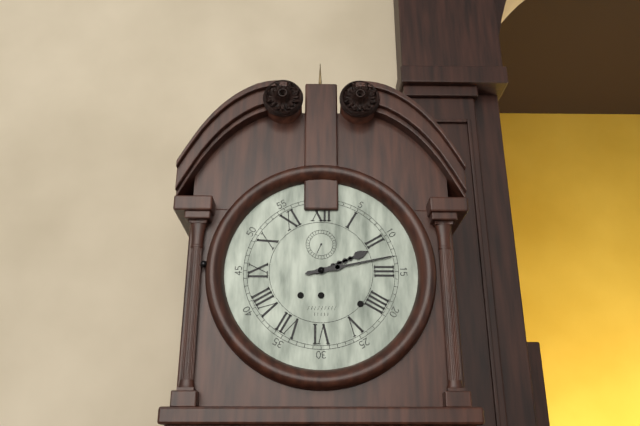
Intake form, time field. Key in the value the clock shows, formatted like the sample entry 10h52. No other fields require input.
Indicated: 2h13
